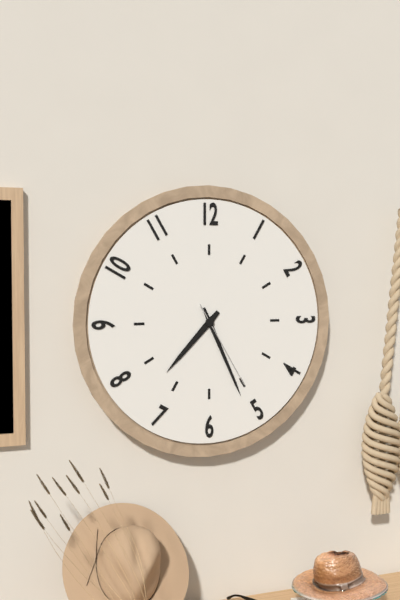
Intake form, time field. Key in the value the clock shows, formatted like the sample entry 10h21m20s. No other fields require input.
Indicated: 7h26m25s
